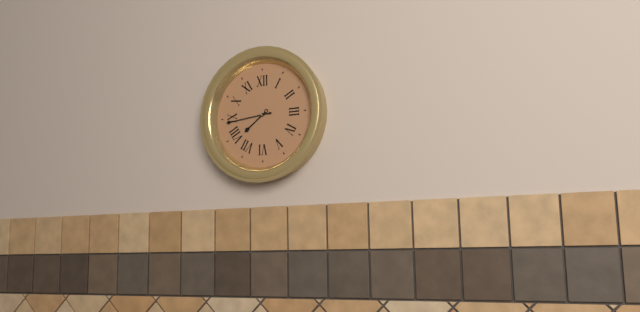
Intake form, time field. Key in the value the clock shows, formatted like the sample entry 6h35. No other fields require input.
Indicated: 7h44
